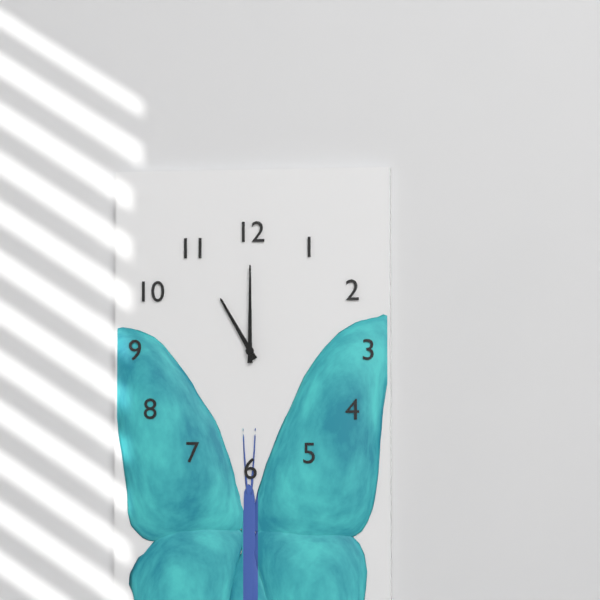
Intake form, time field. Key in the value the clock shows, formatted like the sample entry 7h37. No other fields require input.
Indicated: 11h00
